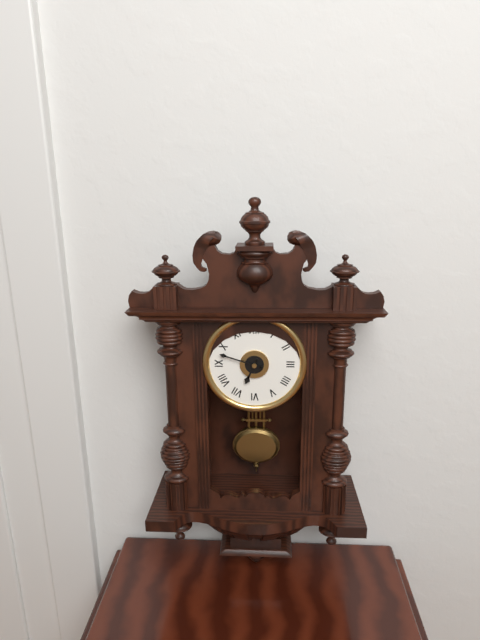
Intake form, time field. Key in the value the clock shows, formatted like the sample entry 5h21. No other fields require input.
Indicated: 6h48
